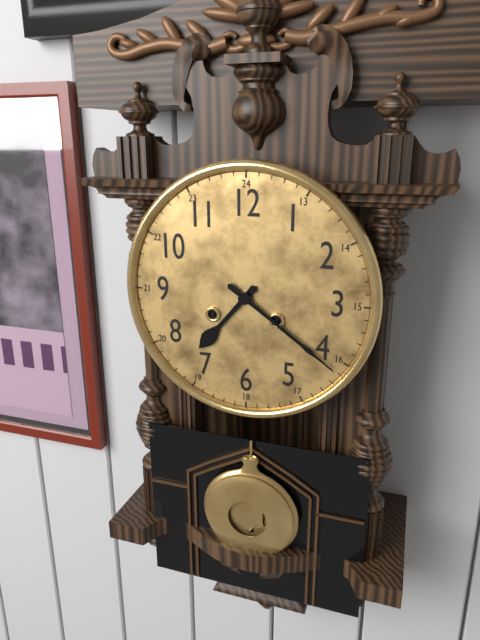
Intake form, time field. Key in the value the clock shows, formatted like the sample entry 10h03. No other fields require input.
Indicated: 7h21
